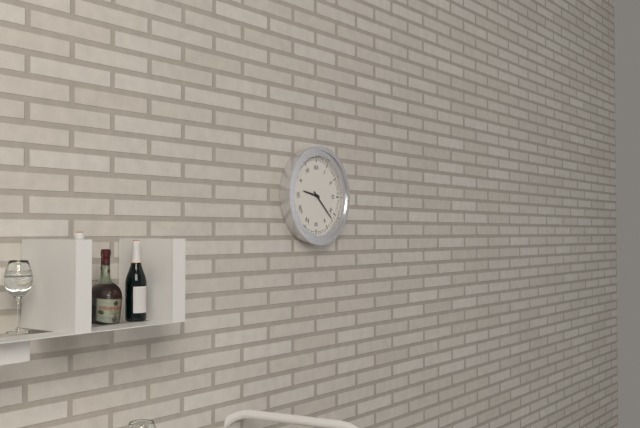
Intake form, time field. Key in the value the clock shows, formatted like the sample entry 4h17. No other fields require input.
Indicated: 9h22
